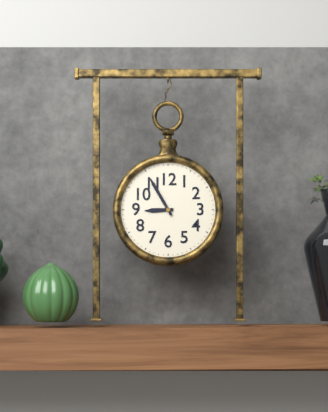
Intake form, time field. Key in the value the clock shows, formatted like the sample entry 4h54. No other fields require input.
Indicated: 8h55
